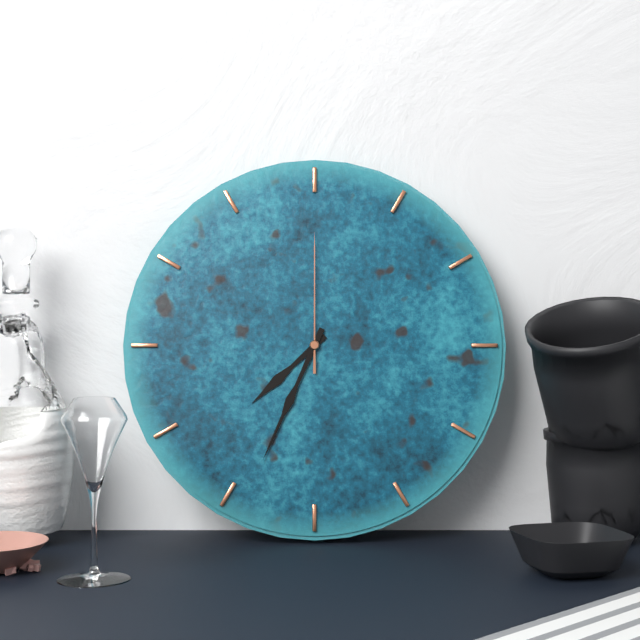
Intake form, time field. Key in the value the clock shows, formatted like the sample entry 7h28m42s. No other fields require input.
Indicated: 7h34m00s
